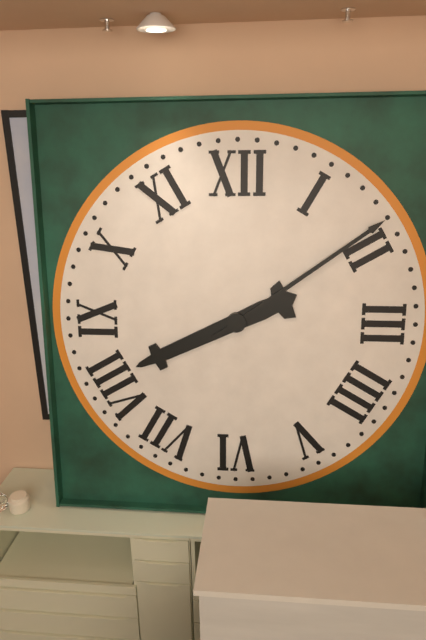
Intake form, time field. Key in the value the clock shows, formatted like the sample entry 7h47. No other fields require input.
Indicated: 8h09
